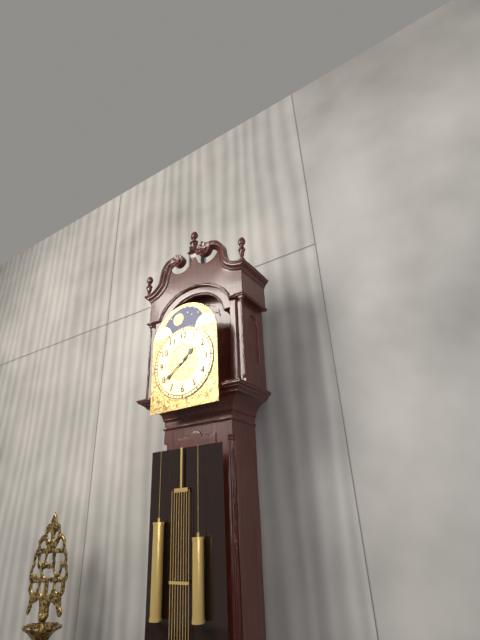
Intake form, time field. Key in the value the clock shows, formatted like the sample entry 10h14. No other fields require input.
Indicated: 1h39
